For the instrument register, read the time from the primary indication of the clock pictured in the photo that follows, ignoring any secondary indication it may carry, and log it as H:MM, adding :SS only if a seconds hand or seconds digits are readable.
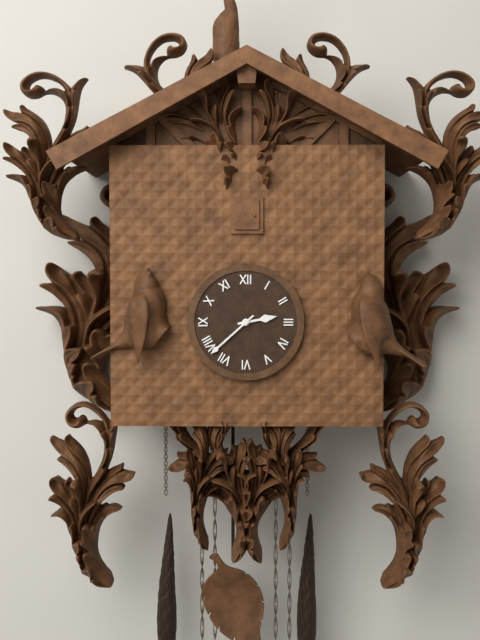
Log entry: 2:38
